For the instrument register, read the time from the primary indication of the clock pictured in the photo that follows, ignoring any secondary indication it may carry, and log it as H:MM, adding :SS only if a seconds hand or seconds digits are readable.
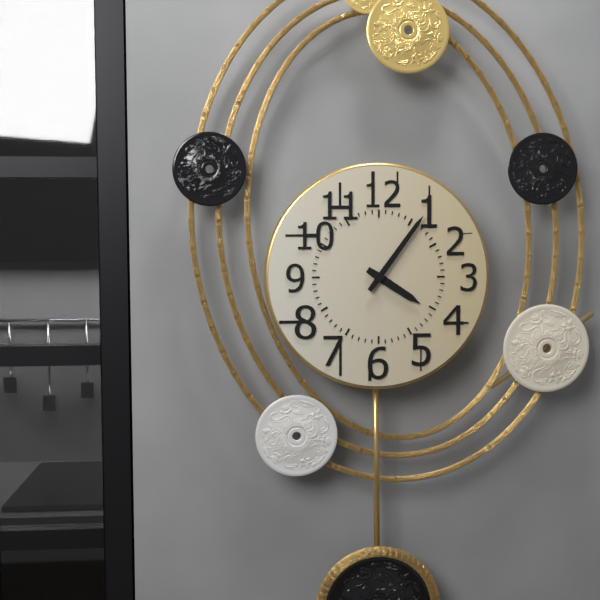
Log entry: 4:06
